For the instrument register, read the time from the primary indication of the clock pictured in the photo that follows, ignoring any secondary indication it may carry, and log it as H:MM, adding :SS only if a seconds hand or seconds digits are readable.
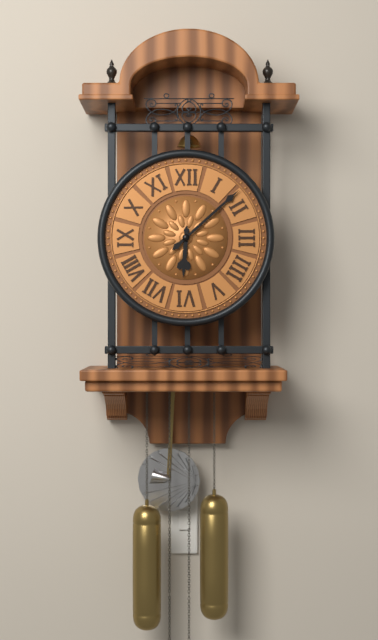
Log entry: 6:08
